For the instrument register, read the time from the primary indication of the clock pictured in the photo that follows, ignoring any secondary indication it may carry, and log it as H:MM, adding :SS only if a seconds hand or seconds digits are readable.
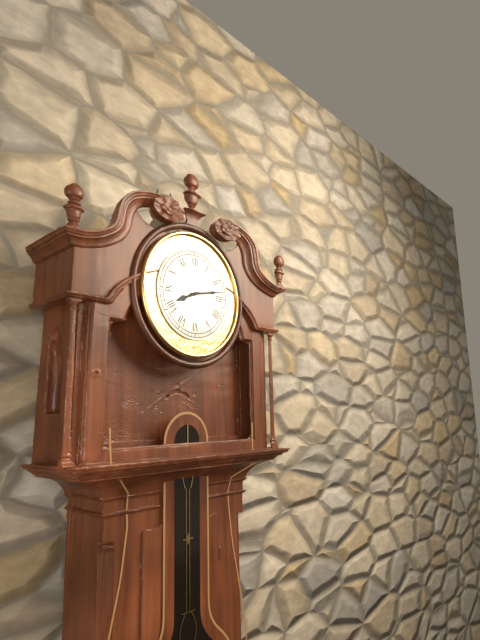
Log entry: 8:13
